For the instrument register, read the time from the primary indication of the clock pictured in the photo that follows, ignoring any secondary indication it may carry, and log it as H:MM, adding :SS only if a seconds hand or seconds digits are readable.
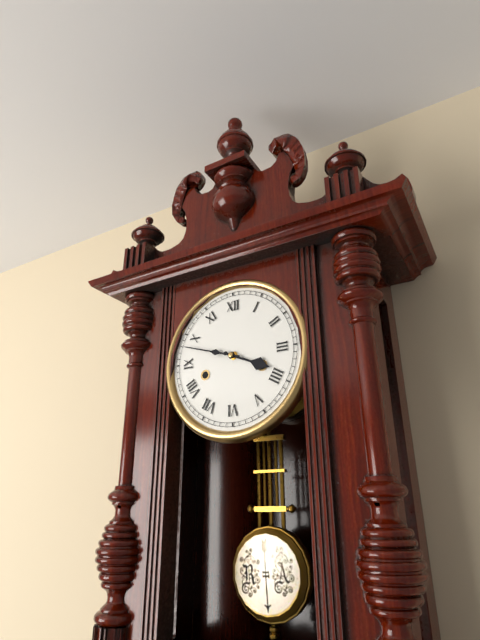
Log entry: 3:48
